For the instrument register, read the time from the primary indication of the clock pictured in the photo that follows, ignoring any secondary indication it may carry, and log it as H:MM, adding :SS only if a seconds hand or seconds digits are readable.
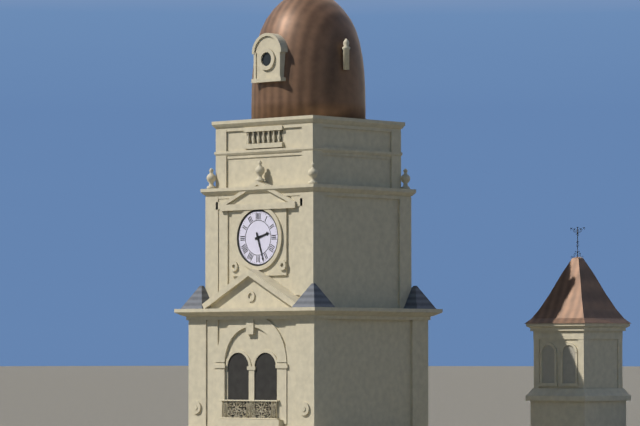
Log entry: 2:27
